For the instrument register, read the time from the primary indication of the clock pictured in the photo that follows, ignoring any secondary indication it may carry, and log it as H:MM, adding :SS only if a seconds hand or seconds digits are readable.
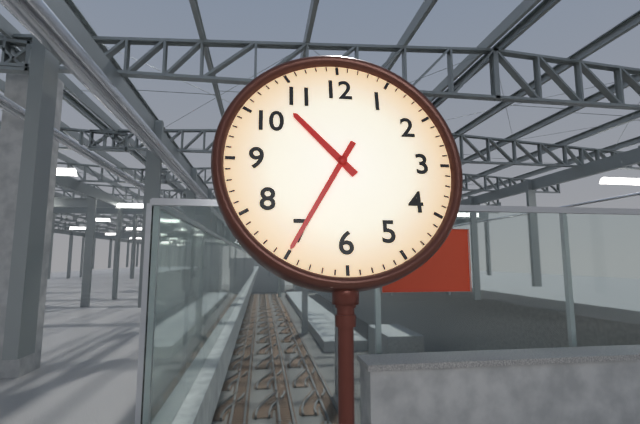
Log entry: 10:35
